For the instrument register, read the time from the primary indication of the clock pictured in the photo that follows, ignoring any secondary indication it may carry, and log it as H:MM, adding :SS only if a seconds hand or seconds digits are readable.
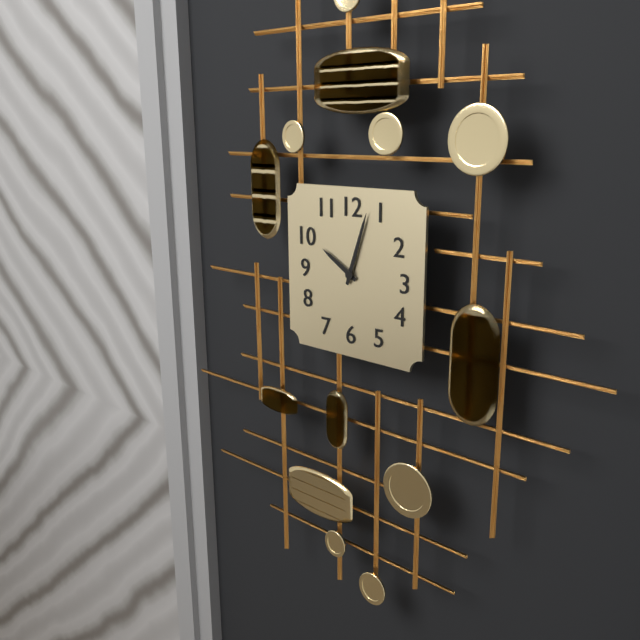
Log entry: 10:03
